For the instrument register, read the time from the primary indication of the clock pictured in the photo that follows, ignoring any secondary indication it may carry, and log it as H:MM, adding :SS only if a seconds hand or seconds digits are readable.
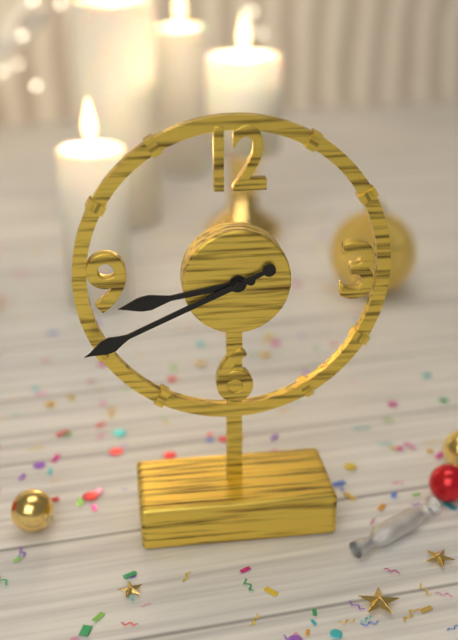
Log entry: 8:41
